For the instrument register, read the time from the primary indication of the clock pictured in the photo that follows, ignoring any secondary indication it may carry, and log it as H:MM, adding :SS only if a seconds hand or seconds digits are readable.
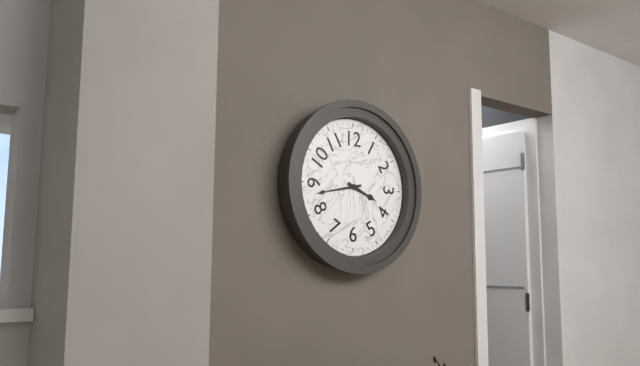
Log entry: 3:43
